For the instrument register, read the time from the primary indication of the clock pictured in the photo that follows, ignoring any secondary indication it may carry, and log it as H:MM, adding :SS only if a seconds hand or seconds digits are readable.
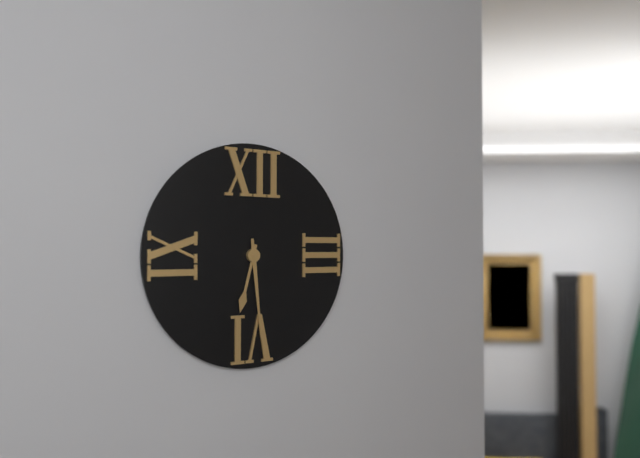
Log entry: 6:29
